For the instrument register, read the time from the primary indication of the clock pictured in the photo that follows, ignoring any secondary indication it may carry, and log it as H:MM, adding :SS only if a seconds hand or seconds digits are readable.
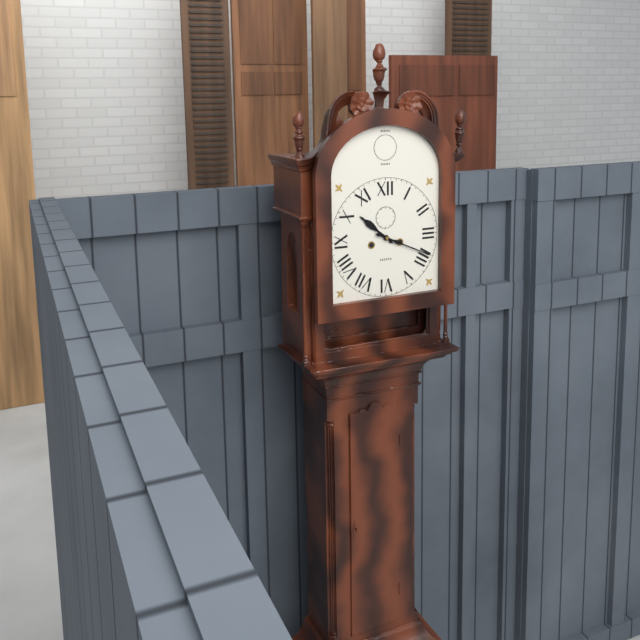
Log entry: 10:19
